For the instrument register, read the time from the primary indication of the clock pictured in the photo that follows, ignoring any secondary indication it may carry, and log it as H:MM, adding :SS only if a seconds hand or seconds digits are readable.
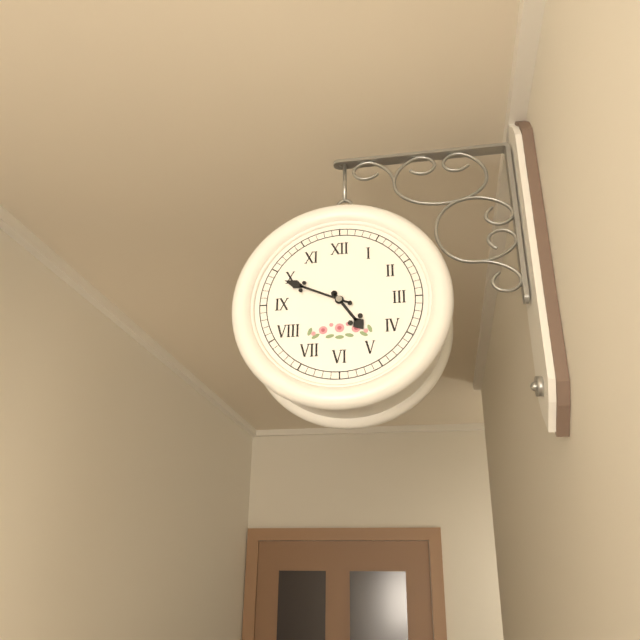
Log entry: 4:49
